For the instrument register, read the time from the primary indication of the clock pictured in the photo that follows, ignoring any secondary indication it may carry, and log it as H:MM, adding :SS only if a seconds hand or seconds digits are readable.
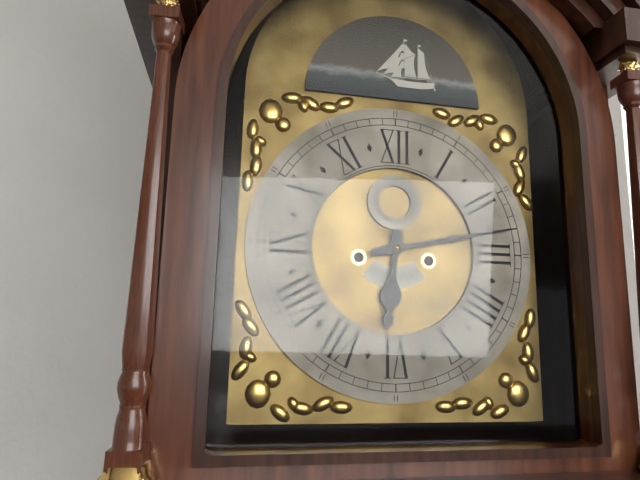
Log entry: 6:13
